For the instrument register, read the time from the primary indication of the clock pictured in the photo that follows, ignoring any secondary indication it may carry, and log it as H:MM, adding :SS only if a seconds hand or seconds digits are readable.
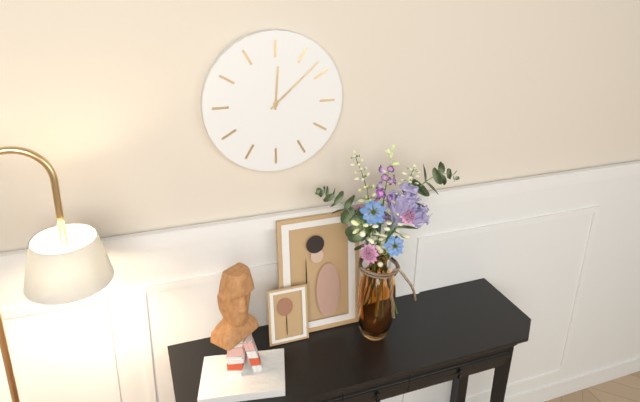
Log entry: 12:08
